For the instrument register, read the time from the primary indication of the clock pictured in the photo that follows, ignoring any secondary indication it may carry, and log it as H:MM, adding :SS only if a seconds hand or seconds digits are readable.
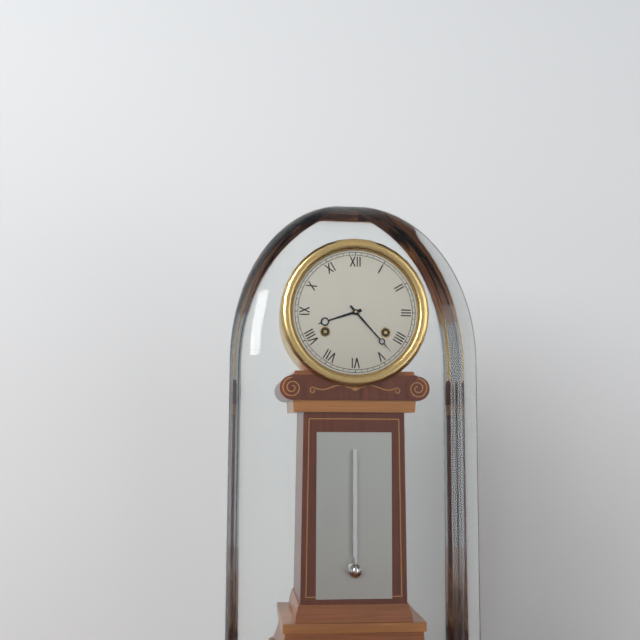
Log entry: 8:23
